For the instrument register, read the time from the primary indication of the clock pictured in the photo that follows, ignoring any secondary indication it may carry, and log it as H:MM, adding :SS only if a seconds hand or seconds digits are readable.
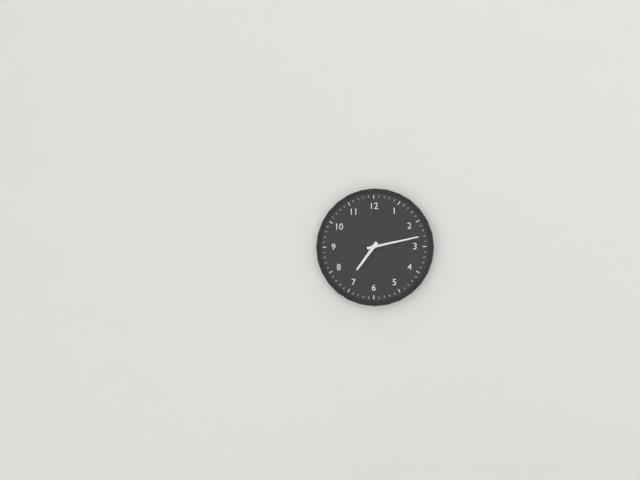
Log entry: 7:13
